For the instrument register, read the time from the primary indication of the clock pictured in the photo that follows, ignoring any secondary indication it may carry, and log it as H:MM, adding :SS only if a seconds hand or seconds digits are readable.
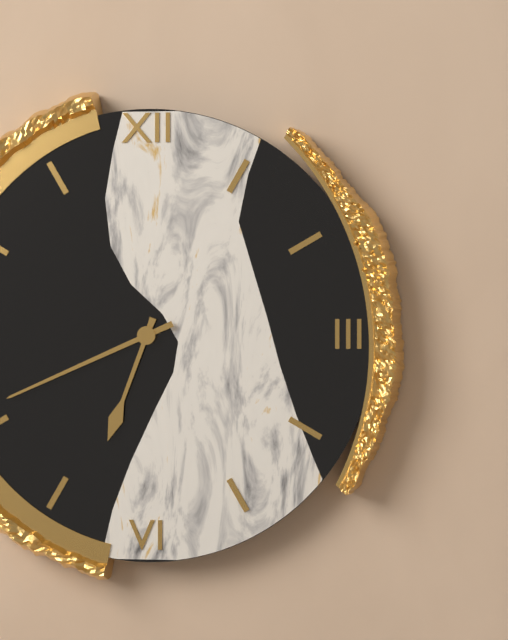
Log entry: 6:41
